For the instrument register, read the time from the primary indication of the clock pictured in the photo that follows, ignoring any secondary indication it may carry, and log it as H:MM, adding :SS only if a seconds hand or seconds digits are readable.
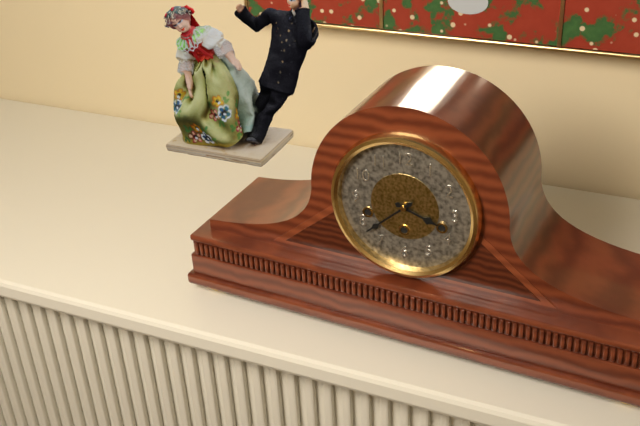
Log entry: 3:38
